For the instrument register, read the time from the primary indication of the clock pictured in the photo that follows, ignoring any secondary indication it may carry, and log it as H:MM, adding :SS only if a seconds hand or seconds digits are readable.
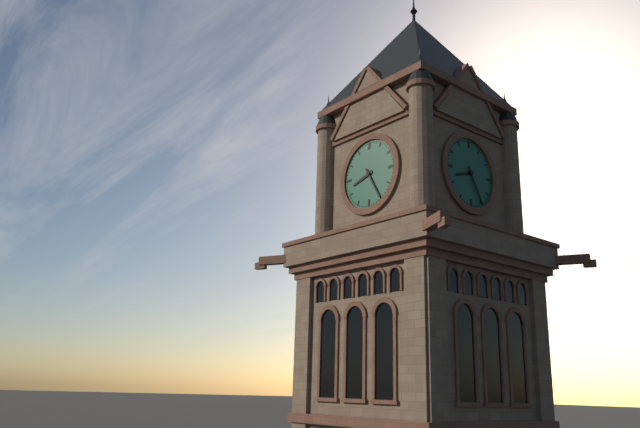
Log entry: 8:25
